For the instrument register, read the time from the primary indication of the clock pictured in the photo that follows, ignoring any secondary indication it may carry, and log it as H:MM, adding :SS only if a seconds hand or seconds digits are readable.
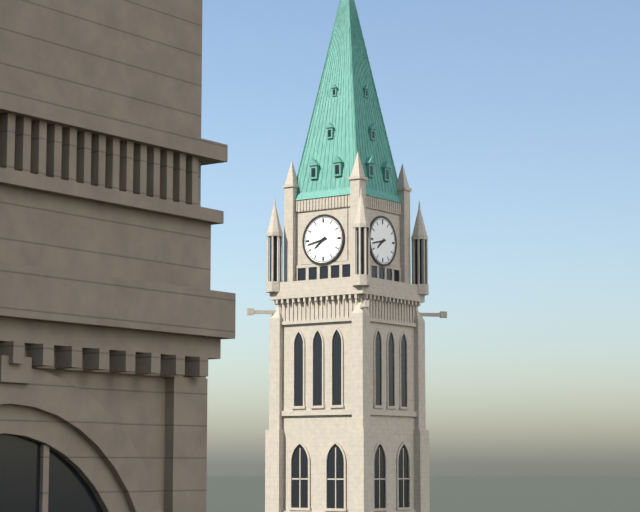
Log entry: 7:43
